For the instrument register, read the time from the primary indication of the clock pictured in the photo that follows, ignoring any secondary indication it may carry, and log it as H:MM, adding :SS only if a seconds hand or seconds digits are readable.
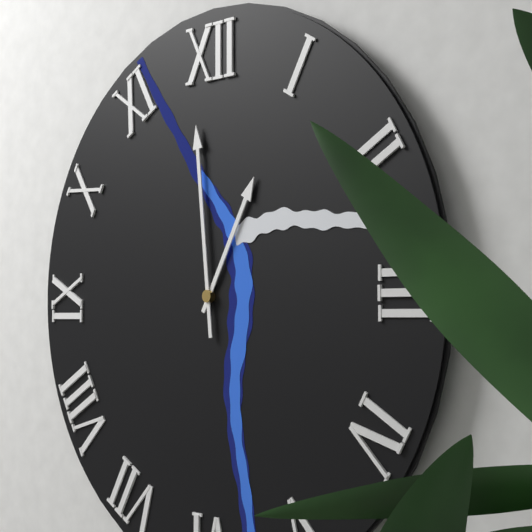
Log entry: 12:59
